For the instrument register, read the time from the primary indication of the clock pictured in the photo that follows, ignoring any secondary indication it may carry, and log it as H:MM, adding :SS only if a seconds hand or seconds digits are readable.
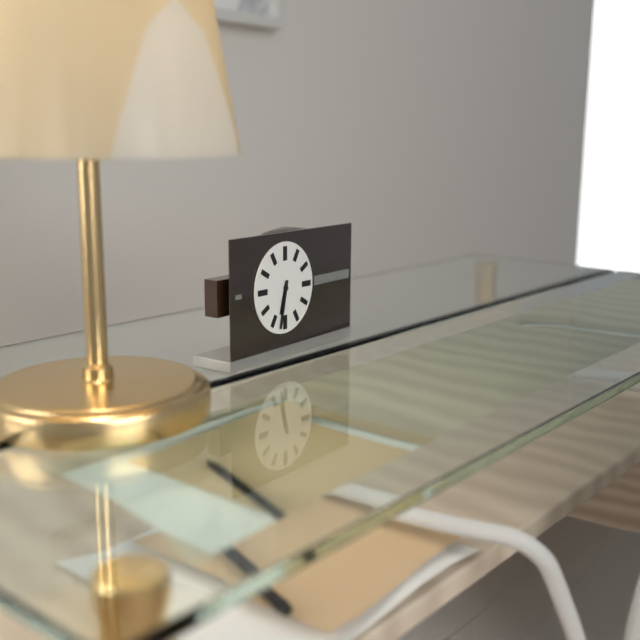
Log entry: 6:32
